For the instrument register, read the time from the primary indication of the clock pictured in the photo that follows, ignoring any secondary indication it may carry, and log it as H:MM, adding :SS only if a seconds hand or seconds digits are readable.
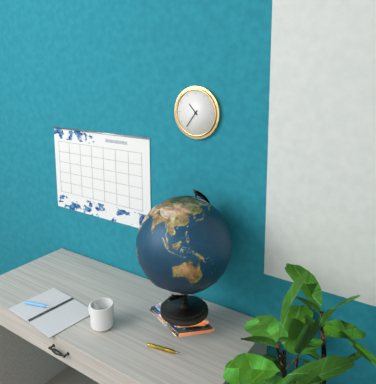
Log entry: 10:36
